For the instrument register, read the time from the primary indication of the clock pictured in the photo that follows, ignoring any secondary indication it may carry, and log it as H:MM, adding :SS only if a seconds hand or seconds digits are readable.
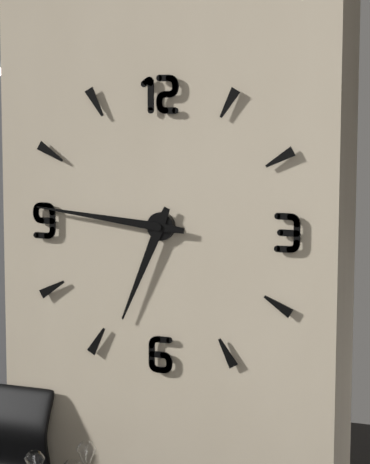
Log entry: 6:46
